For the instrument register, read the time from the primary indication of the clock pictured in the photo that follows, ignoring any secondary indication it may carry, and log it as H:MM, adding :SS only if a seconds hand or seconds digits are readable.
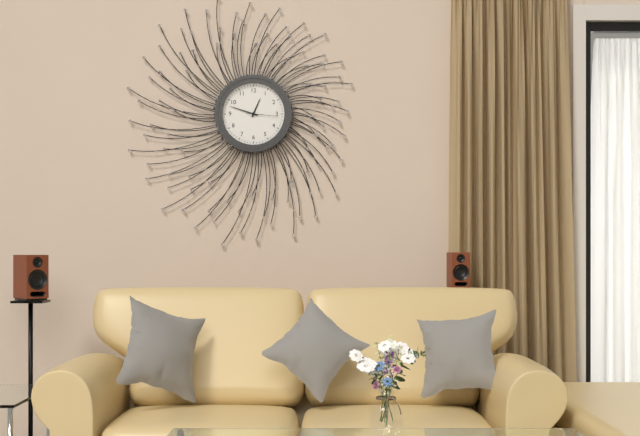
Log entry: 12:48
